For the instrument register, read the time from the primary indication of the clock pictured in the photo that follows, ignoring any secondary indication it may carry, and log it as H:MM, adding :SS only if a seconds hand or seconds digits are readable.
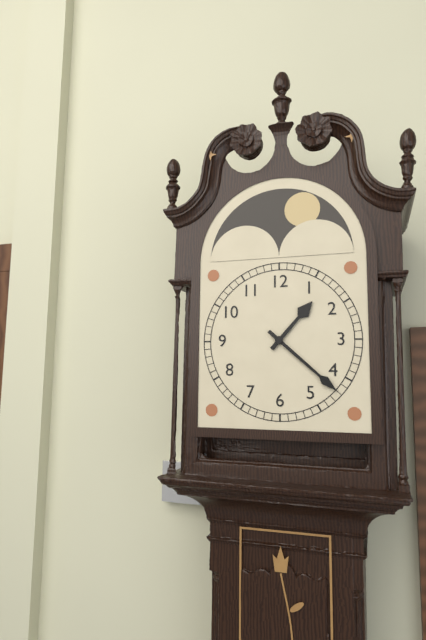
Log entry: 1:22
